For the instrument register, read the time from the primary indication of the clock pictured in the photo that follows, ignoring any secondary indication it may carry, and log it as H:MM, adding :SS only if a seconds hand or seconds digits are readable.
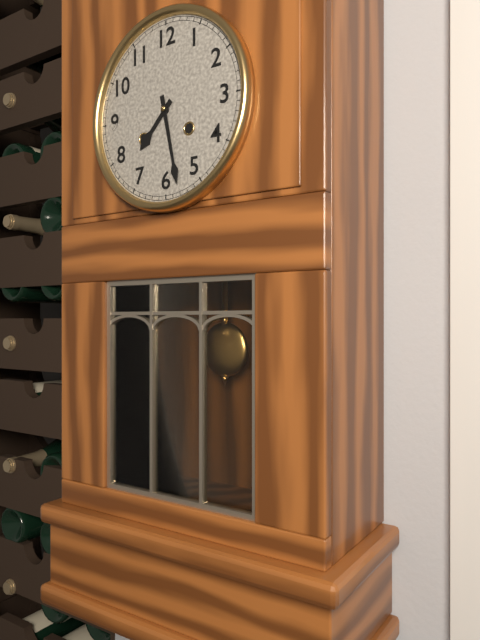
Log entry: 7:28
